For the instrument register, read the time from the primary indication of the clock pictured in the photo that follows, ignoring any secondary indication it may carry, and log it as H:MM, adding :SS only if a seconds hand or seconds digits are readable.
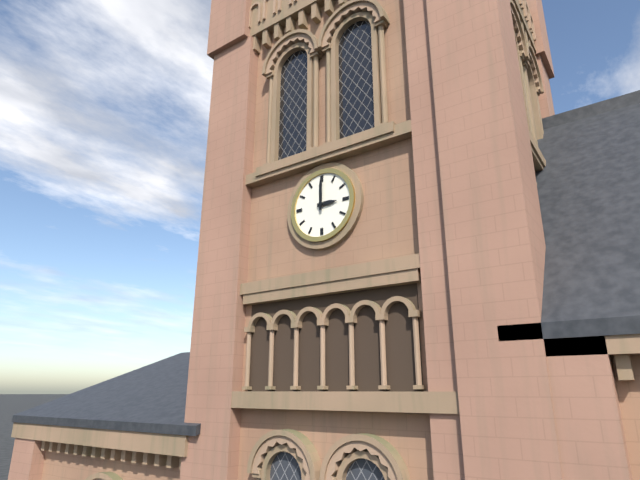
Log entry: 3:00
